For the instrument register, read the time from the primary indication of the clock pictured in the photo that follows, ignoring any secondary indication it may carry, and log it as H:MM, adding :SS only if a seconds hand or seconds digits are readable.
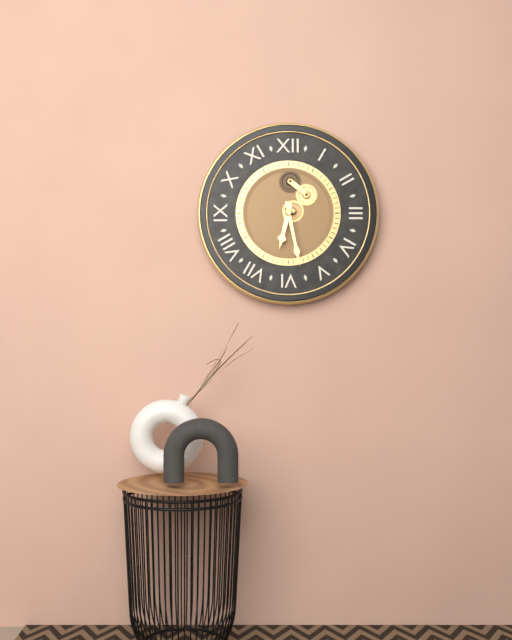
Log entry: 6:28
